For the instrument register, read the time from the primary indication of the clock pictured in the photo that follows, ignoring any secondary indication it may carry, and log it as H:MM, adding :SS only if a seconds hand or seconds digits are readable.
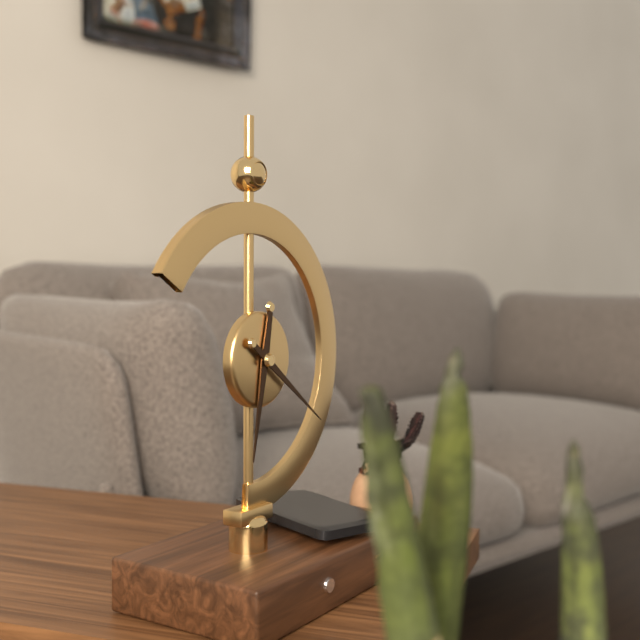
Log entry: 6:21
